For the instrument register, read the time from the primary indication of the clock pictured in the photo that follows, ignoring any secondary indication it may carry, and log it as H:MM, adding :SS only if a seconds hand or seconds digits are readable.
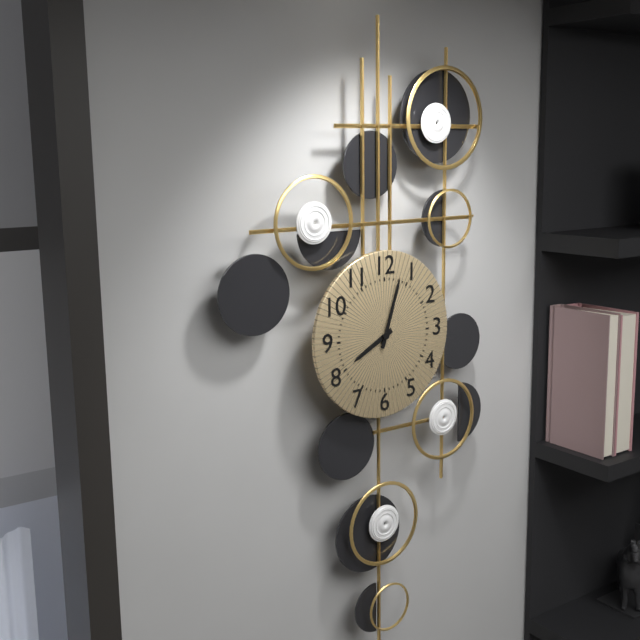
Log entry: 8:03
